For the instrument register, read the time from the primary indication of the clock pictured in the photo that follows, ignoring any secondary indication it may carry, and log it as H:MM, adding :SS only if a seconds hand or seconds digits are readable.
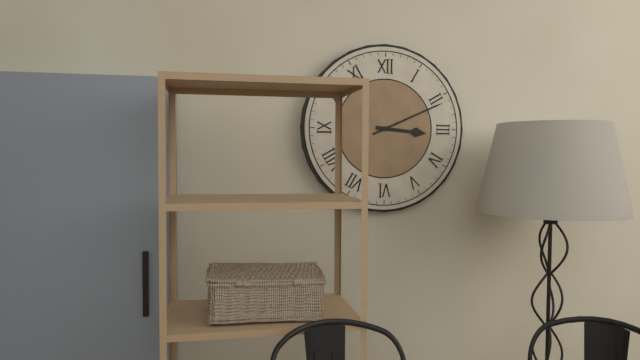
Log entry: 3:11
